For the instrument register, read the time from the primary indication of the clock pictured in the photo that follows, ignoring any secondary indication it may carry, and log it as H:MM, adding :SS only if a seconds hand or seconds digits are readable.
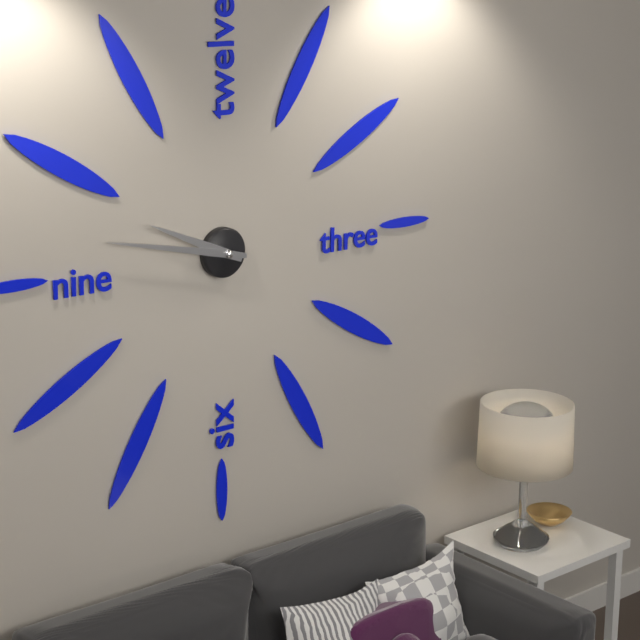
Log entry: 9:47
